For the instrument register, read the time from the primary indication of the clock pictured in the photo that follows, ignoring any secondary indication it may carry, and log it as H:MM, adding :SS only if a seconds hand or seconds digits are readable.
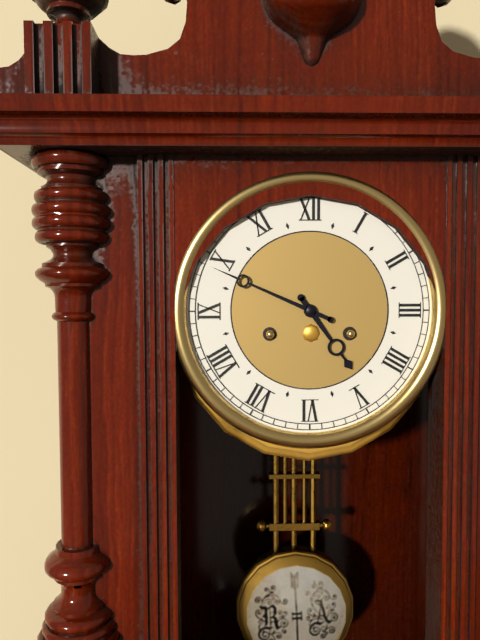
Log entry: 4:49
